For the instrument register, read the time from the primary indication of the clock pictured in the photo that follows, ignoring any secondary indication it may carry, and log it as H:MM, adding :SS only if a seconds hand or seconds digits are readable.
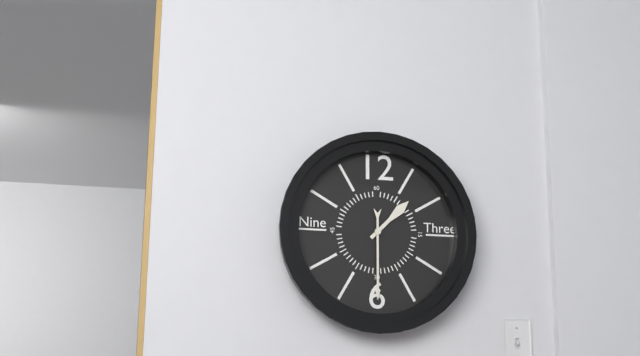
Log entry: 1:30
